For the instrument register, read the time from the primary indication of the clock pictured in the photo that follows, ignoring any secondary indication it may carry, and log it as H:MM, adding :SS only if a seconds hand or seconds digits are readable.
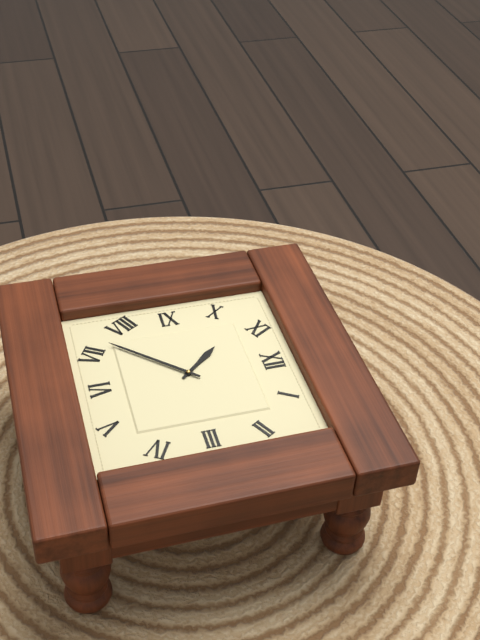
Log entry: 10:37
